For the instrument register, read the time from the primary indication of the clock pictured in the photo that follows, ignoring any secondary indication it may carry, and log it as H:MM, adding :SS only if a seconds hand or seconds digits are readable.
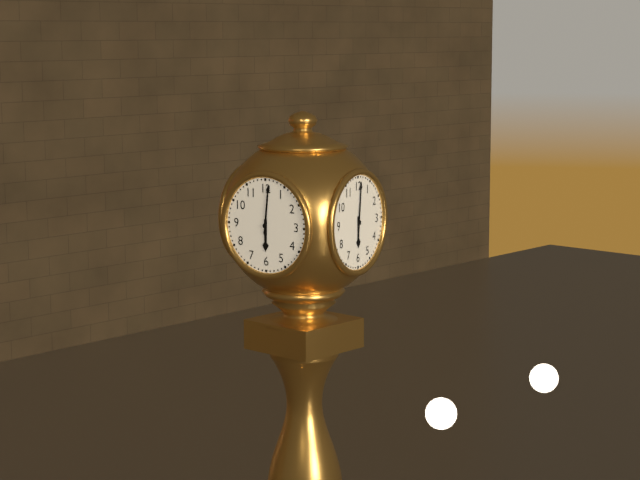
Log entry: 6:01
